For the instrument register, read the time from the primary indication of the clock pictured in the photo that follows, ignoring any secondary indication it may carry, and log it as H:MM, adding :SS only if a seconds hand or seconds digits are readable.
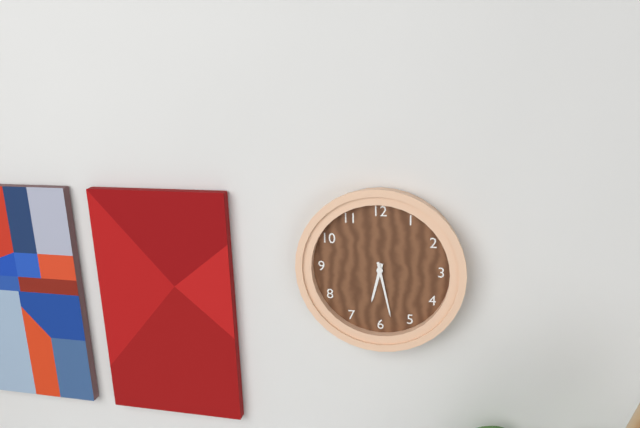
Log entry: 6:28
